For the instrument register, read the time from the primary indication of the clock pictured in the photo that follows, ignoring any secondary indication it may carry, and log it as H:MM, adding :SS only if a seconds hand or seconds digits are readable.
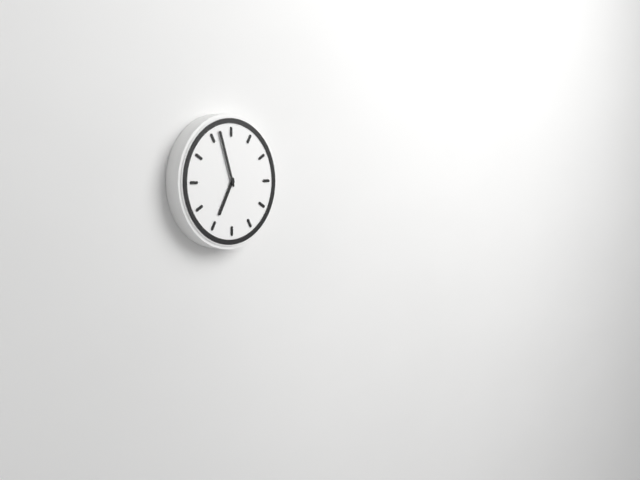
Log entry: 6:57
